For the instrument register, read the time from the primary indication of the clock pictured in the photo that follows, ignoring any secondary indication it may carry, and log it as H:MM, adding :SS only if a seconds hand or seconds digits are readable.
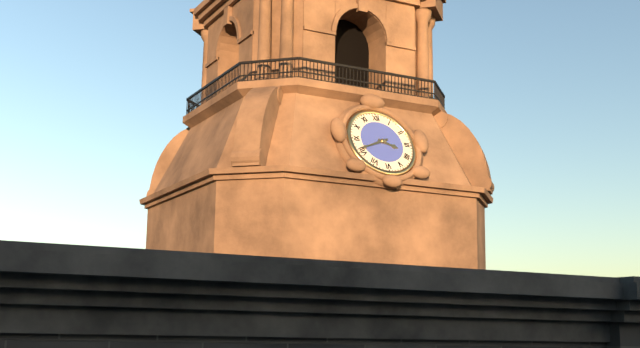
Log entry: 3:41
